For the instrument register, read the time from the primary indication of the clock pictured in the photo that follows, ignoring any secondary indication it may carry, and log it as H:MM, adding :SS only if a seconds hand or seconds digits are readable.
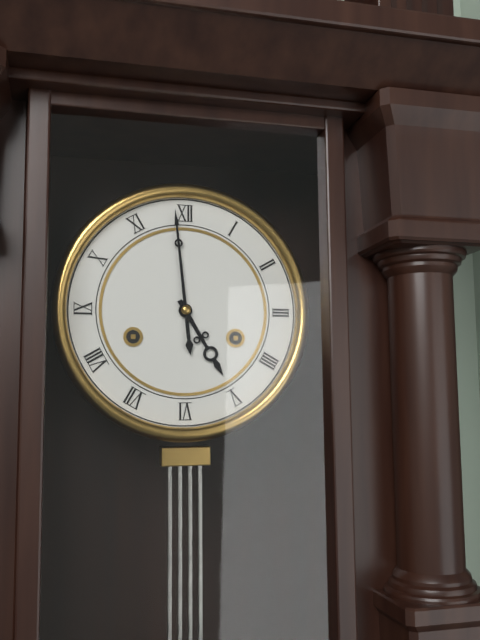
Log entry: 4:59
